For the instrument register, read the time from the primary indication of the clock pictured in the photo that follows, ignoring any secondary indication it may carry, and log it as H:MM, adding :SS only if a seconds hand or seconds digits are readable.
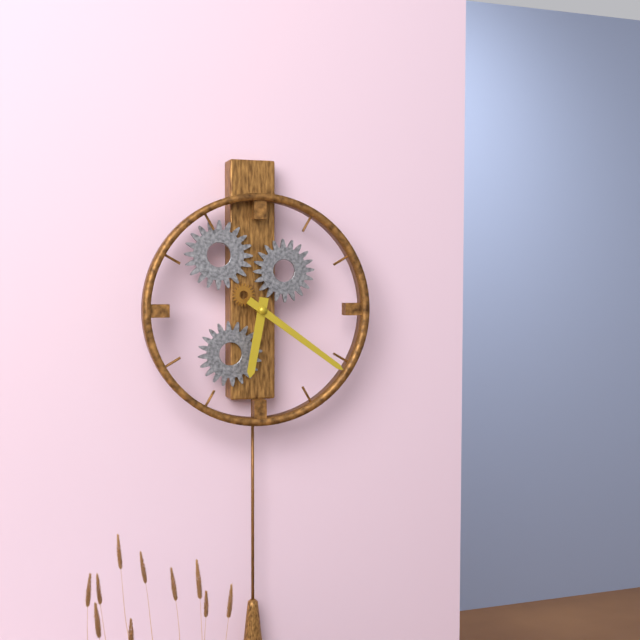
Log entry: 6:21
